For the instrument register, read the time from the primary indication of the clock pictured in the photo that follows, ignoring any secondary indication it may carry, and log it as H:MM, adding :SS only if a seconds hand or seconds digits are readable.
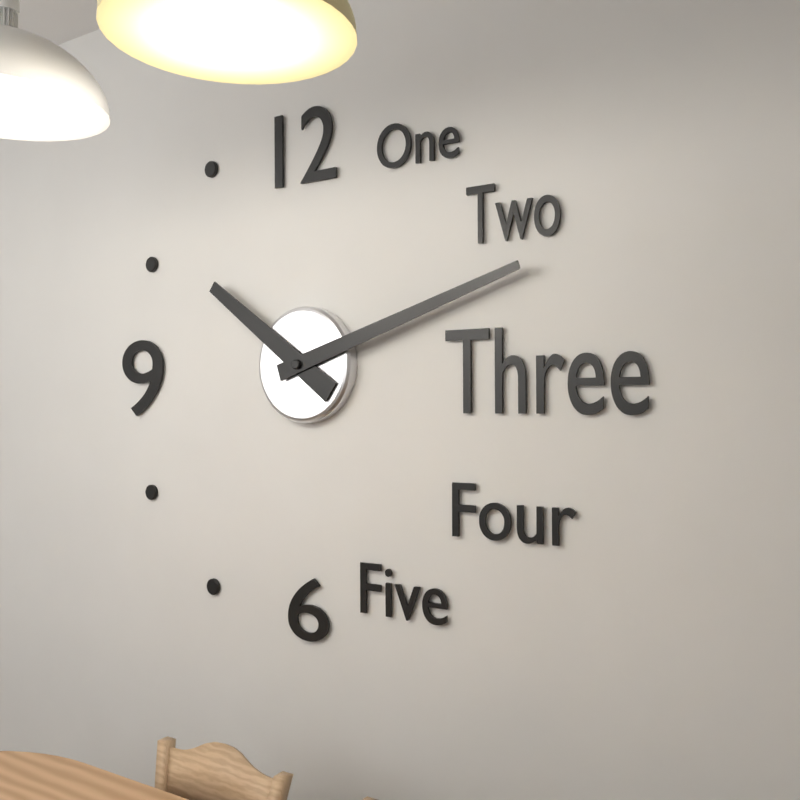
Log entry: 10:12
